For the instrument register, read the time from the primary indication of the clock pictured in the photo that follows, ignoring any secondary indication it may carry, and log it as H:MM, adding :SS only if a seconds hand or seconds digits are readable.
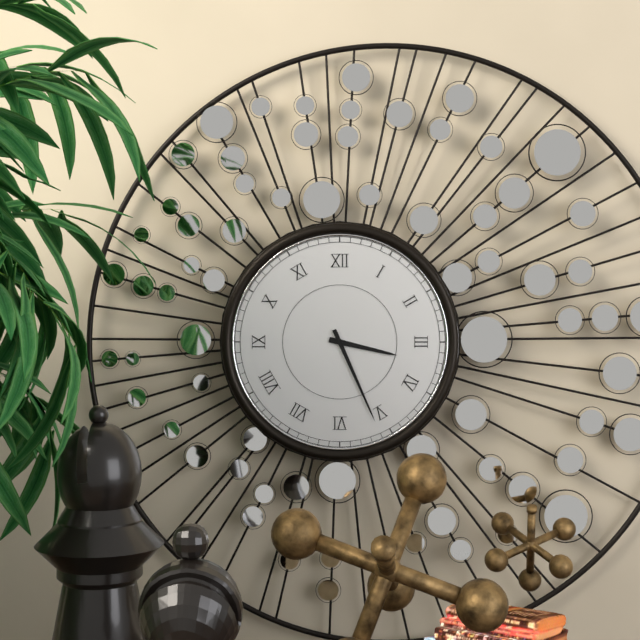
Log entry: 3:26
